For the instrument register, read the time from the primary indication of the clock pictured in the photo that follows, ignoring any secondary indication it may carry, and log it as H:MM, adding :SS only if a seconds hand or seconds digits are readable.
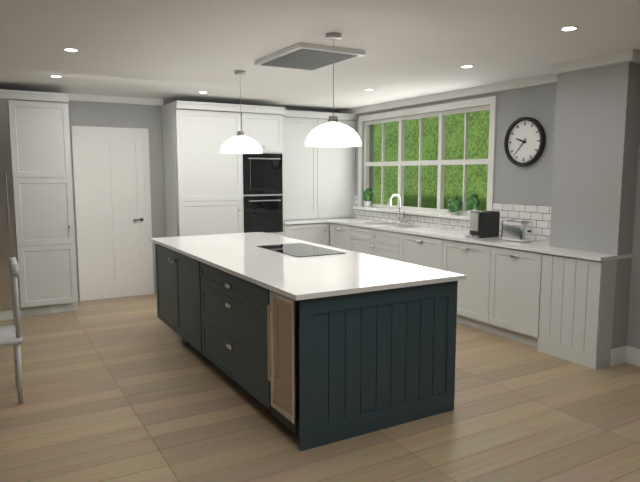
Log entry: 9:37
